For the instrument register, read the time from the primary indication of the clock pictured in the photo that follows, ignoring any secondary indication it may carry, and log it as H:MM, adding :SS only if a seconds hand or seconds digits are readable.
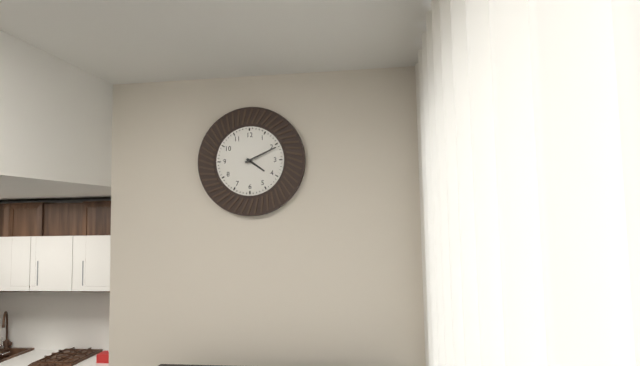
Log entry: 4:11
